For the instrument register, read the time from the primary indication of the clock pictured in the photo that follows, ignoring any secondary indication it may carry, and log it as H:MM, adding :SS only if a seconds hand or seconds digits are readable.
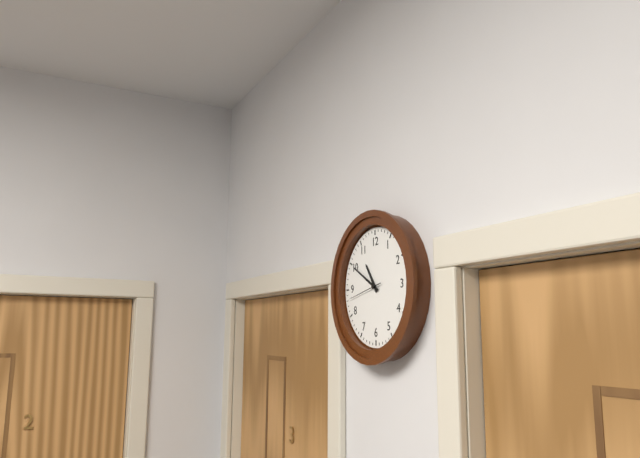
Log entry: 10:50
